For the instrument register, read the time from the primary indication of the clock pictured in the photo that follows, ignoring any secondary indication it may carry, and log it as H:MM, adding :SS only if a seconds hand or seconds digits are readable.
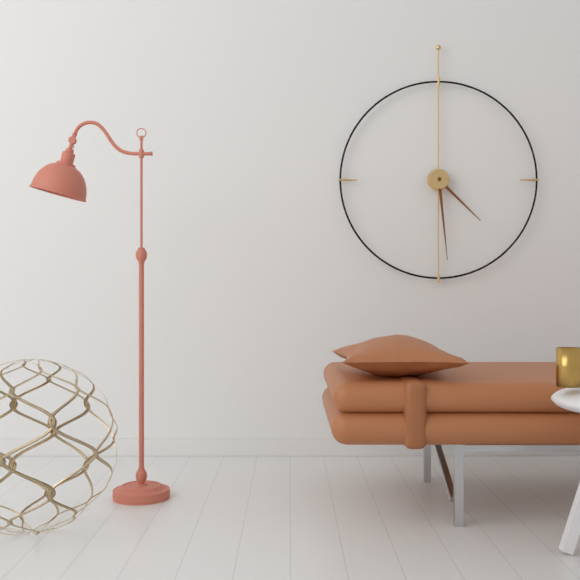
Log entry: 4:29
